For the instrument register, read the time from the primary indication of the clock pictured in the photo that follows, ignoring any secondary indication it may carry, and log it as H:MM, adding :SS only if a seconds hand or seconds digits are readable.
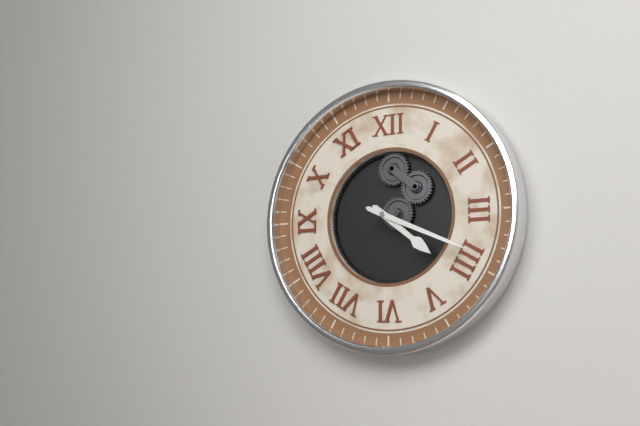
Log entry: 4:19
